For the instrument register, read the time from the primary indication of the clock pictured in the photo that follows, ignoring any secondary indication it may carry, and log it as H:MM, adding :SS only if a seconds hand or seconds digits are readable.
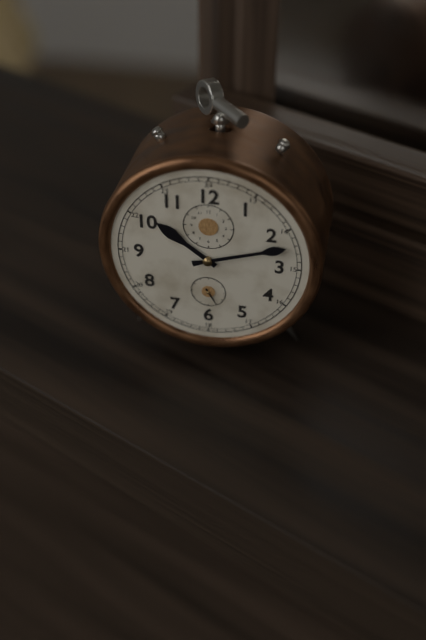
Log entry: 10:12
